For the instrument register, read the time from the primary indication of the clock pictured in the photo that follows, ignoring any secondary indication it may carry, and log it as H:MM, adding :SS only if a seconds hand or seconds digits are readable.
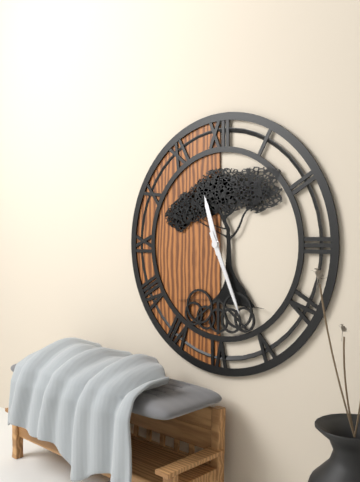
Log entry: 11:26
